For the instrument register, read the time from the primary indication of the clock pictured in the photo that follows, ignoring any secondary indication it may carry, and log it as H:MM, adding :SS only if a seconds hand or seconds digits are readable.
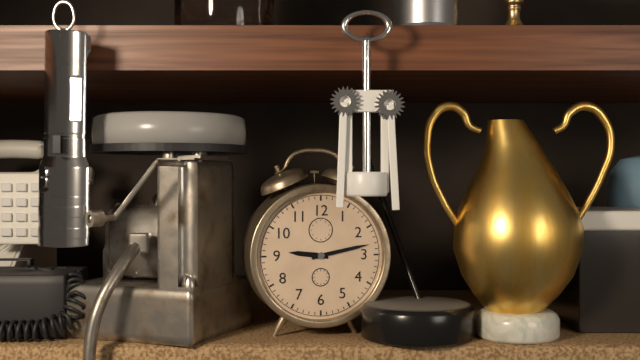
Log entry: 9:13
